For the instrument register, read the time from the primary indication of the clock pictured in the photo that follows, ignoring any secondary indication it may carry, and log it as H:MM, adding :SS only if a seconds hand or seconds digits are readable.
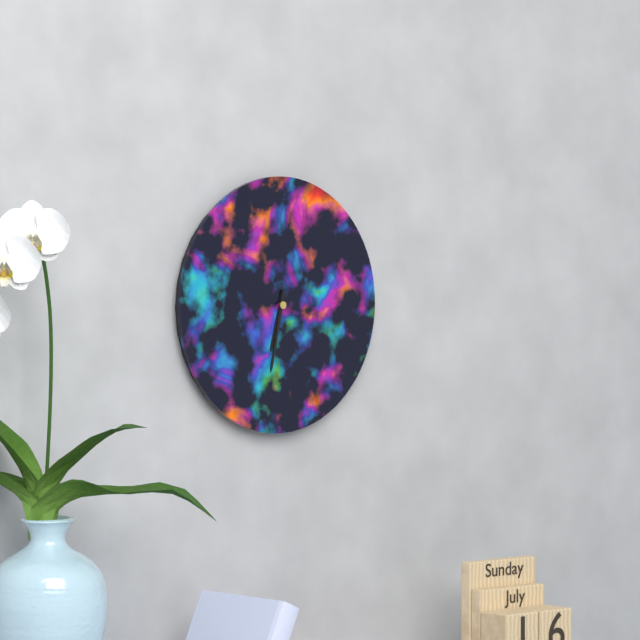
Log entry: 6:32
